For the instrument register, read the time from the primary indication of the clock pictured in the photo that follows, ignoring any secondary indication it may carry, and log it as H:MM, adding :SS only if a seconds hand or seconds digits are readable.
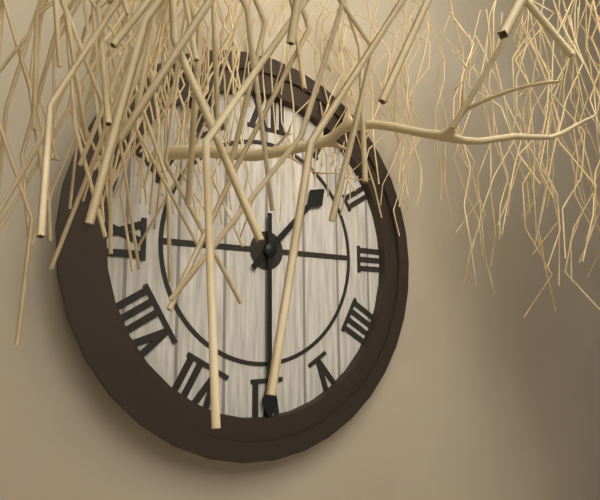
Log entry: 1:30
